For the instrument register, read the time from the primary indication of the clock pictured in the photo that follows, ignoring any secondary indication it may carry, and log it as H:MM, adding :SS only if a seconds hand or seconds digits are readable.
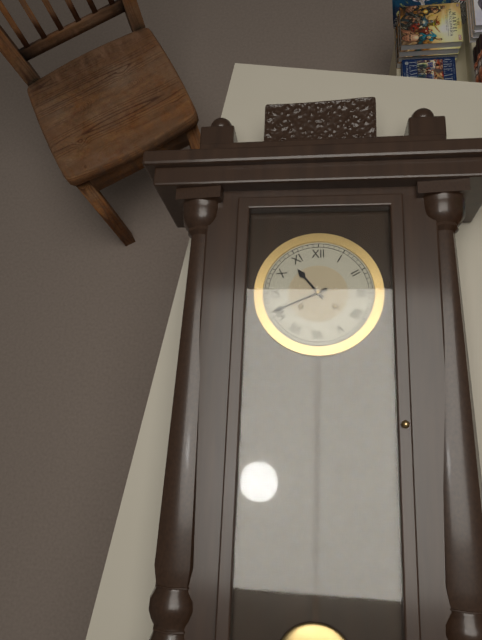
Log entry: 10:41
